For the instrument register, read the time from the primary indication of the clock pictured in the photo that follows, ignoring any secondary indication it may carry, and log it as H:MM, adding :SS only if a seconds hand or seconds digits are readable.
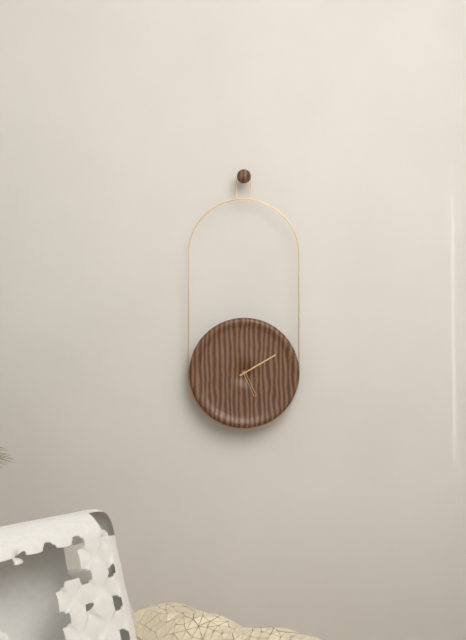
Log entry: 5:10
